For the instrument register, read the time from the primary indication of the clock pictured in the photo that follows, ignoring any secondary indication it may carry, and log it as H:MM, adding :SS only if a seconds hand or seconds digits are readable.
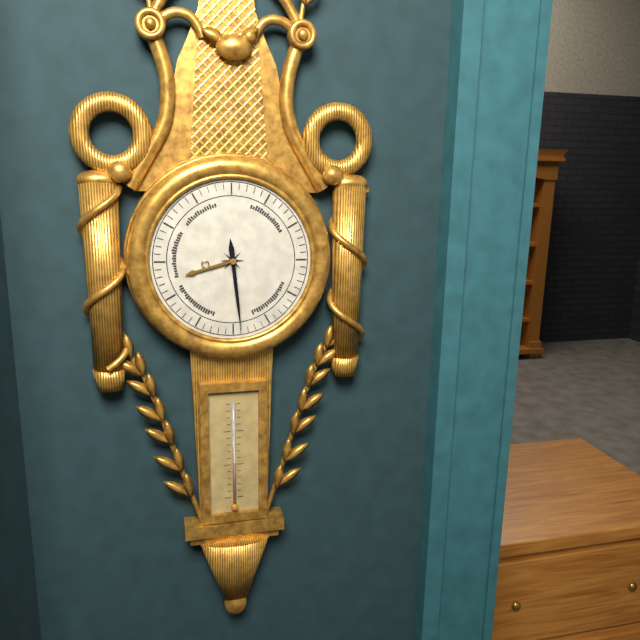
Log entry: 8:29
